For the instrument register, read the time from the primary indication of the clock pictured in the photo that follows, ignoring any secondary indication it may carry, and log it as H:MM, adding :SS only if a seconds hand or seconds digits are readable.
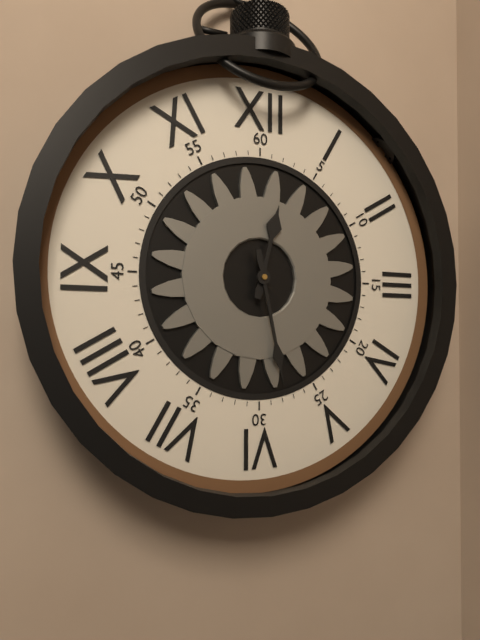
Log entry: 12:28
